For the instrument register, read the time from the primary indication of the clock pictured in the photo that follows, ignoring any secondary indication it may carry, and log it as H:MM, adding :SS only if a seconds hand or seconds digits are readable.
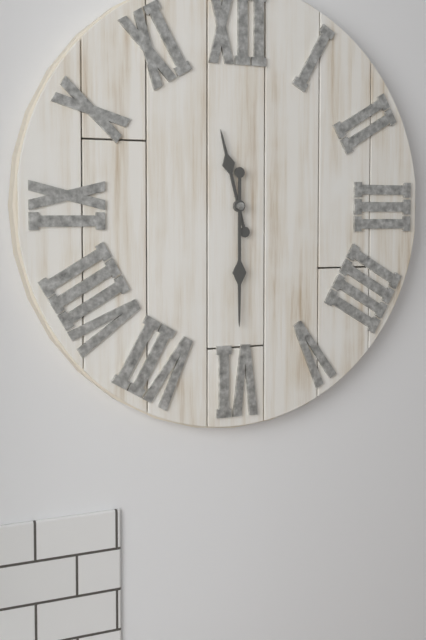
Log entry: 11:30
